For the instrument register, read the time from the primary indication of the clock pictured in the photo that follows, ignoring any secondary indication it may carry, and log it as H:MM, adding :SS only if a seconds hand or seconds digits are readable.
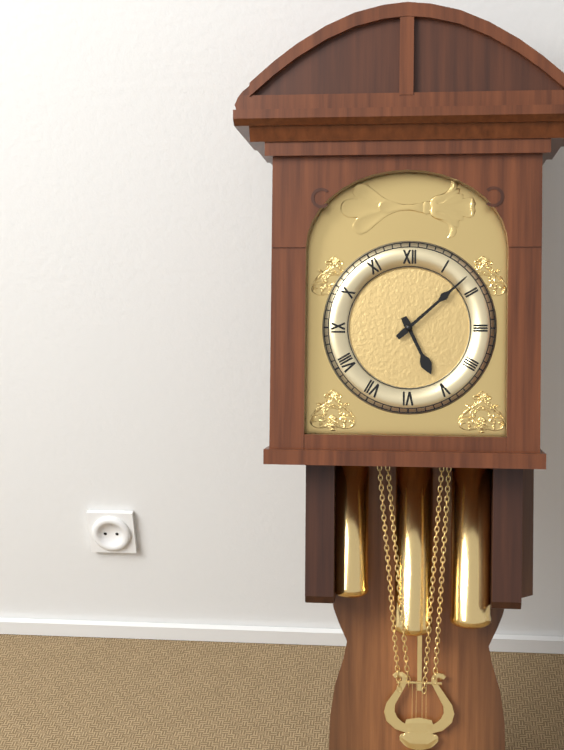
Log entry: 5:08
